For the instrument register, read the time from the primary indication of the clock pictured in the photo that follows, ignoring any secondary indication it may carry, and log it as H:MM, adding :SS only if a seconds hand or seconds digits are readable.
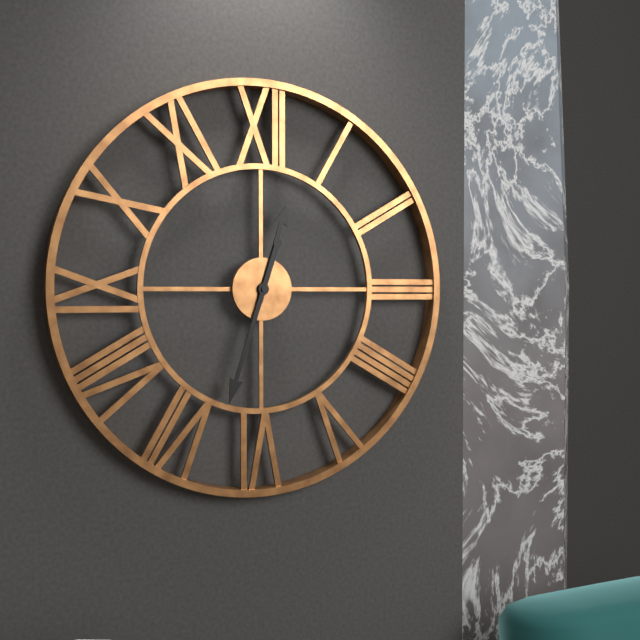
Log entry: 12:33
